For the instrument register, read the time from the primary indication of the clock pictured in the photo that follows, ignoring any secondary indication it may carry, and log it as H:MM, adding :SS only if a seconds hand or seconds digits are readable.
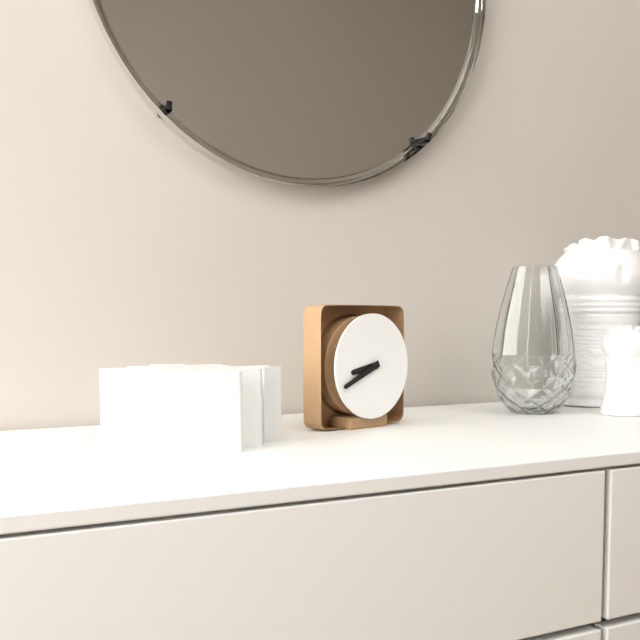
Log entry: 8:41
